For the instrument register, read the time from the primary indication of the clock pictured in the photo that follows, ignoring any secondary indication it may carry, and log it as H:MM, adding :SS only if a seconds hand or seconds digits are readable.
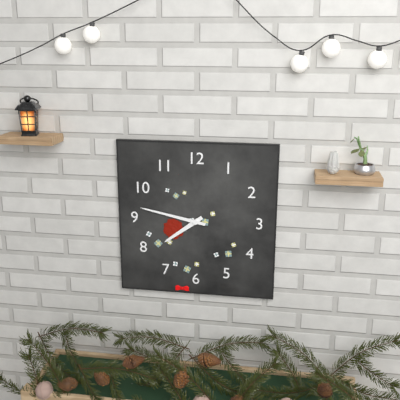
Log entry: 7:47
